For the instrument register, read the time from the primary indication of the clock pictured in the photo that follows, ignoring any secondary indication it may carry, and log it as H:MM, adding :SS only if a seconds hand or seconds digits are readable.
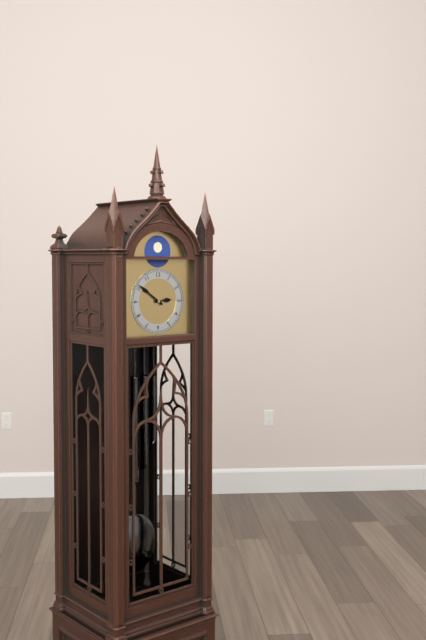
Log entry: 2:51
